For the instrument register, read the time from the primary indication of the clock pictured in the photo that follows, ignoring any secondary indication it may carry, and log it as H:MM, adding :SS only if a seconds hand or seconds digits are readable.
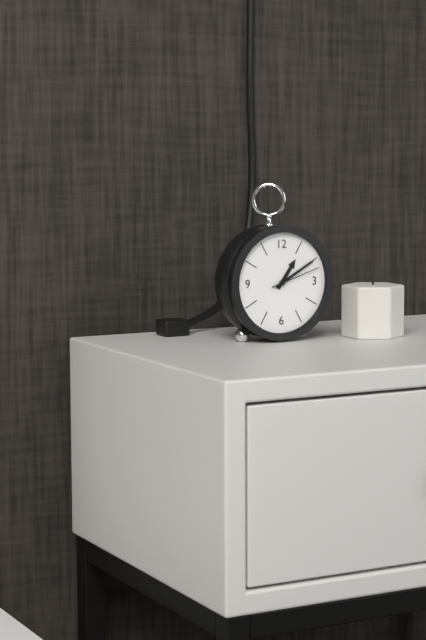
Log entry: 1:10
